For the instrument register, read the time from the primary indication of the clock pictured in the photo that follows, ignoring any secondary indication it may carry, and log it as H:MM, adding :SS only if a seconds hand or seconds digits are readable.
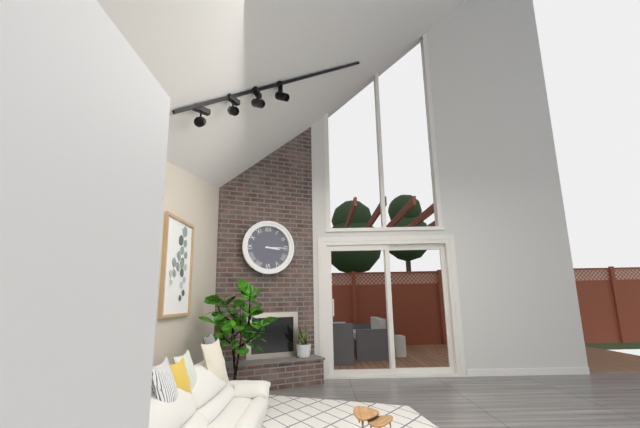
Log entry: 3:15
